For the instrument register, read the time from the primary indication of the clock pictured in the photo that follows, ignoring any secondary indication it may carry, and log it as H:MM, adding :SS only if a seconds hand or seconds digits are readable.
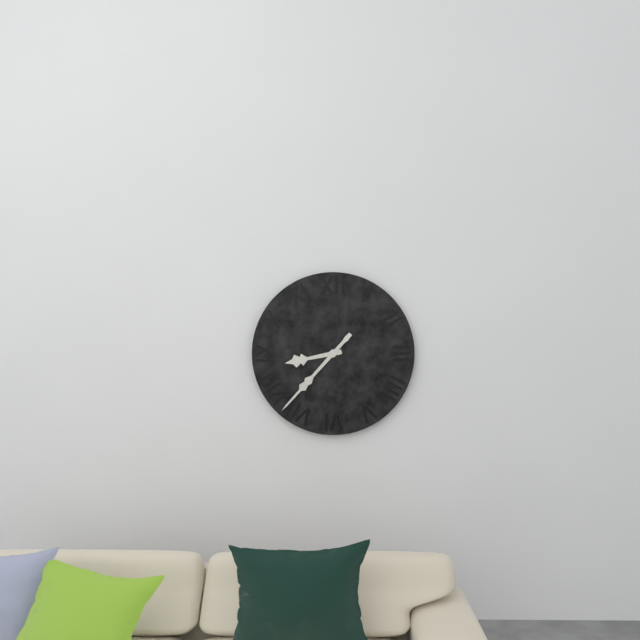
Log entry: 8:37
